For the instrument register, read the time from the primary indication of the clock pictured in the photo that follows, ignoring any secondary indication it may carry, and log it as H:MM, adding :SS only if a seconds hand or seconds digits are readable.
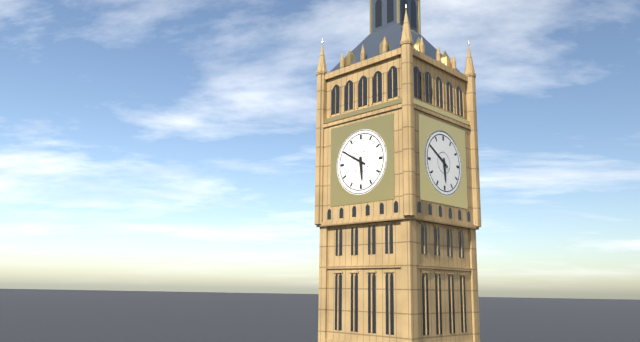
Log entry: 5:50
